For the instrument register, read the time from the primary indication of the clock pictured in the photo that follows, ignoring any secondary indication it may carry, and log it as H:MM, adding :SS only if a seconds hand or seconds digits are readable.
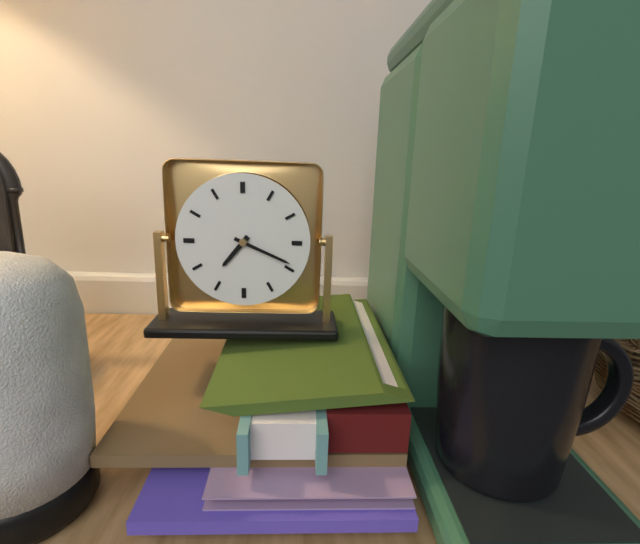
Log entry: 7:19
